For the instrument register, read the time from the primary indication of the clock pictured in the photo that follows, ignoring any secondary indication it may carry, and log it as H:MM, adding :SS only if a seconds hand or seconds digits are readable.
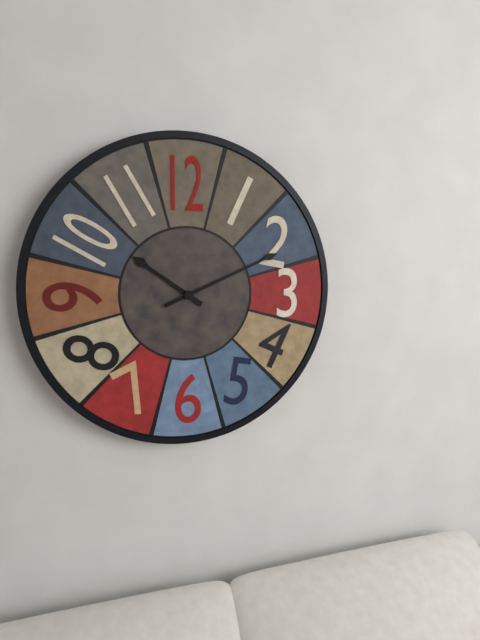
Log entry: 10:11
